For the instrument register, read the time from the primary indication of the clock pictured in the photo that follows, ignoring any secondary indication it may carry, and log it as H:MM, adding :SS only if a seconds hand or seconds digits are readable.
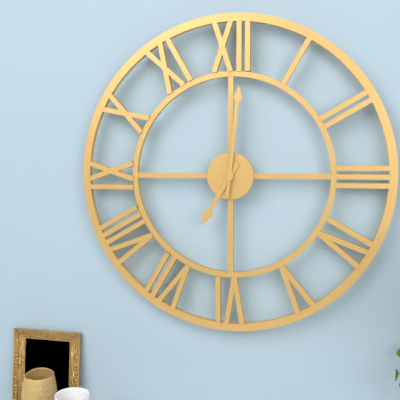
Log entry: 7:01
